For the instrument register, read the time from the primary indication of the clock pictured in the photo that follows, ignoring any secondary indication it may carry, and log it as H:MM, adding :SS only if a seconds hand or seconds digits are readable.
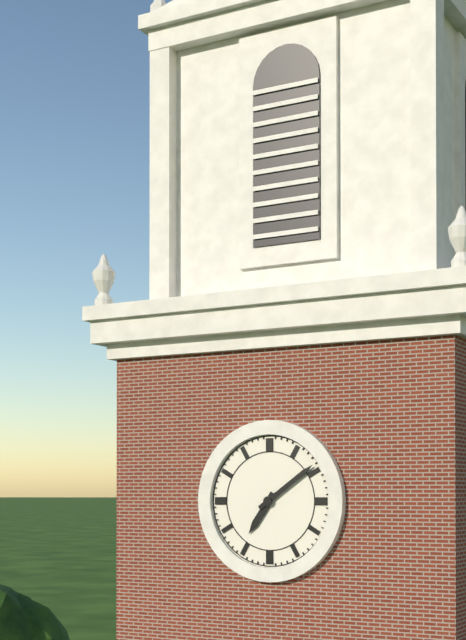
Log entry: 7:09
